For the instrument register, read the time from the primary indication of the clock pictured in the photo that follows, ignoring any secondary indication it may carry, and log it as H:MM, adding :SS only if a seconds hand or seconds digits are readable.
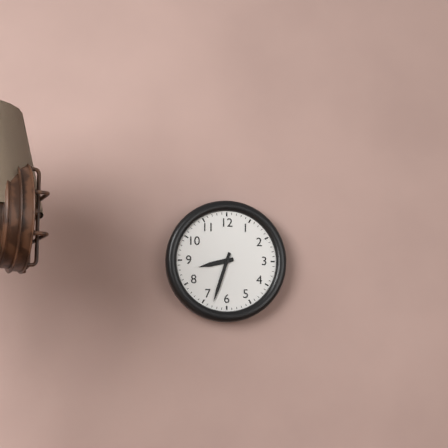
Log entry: 8:33
